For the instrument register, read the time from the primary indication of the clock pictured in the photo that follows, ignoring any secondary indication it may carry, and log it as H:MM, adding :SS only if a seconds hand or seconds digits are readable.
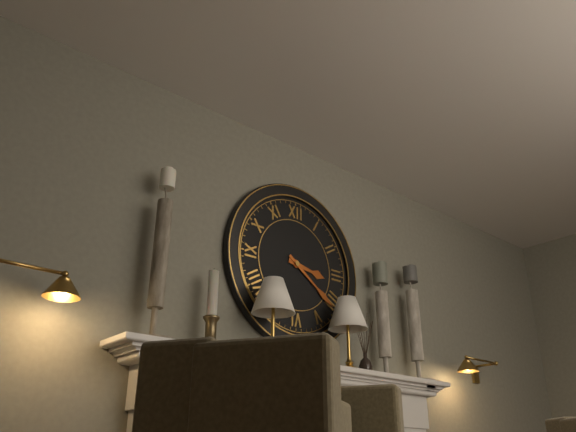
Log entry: 3:21
